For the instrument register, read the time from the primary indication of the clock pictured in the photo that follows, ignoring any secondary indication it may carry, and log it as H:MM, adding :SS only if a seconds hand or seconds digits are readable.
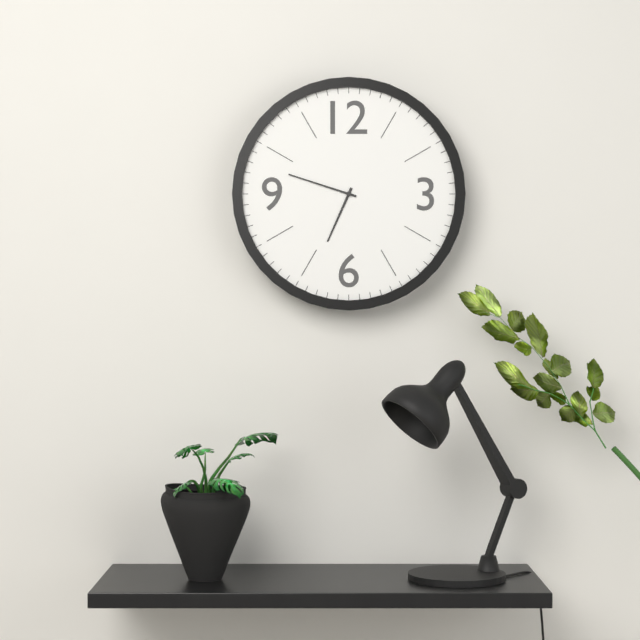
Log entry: 6:48
